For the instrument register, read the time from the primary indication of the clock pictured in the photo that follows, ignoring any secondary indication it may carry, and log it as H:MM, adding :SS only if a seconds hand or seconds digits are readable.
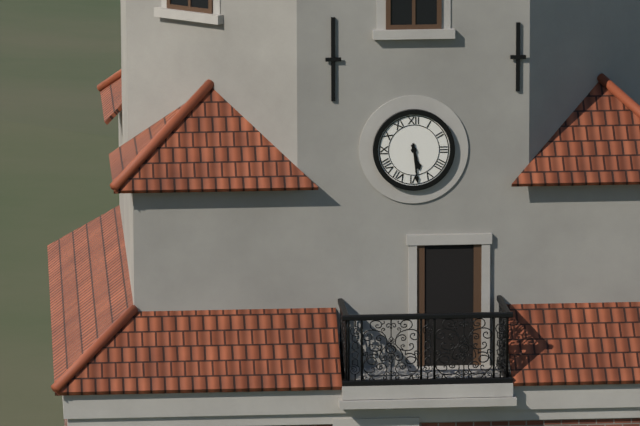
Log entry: 5:29
